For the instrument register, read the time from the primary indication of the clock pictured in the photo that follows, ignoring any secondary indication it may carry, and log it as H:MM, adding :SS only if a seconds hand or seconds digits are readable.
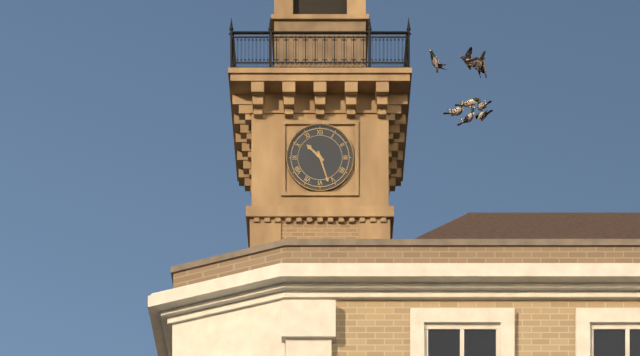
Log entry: 10:27
